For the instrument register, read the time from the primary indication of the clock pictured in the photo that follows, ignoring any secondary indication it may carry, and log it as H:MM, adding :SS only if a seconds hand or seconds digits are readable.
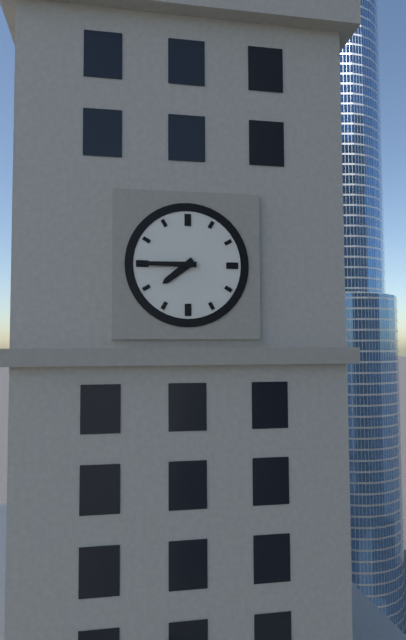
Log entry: 7:45
